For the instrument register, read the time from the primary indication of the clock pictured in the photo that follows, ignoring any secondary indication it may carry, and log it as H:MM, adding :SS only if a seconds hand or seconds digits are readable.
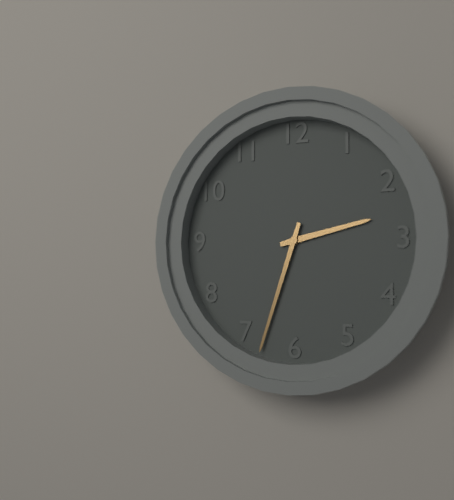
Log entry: 2:33
